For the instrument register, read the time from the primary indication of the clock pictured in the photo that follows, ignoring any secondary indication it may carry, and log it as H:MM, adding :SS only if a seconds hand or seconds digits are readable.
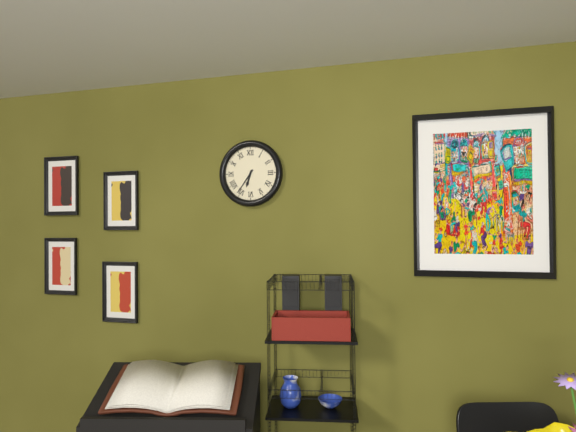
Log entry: 6:36
